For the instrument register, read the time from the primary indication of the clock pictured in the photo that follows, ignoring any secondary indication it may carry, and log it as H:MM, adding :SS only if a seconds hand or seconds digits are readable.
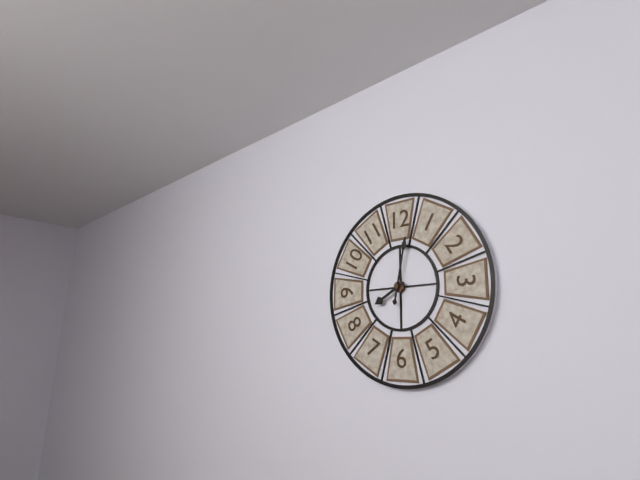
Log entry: 8:02
